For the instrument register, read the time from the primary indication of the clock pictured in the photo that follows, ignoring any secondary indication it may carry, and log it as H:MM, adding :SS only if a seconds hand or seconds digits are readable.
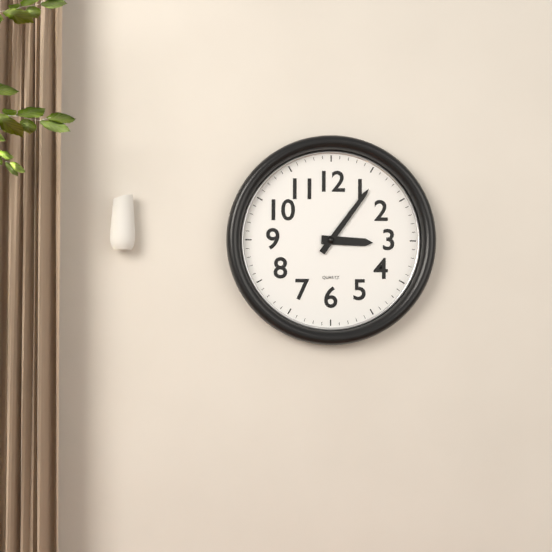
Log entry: 3:06
